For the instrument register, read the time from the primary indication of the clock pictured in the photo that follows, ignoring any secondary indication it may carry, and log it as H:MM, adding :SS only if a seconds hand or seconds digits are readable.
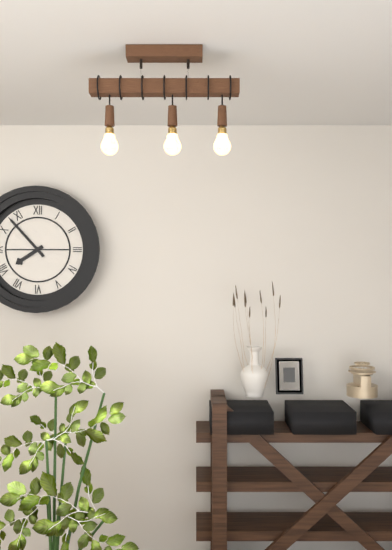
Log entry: 7:53
